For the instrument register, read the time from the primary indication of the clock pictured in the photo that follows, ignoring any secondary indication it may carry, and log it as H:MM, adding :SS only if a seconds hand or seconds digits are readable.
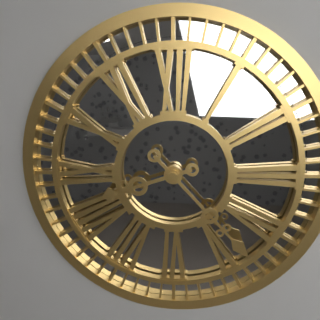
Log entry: 8:23
